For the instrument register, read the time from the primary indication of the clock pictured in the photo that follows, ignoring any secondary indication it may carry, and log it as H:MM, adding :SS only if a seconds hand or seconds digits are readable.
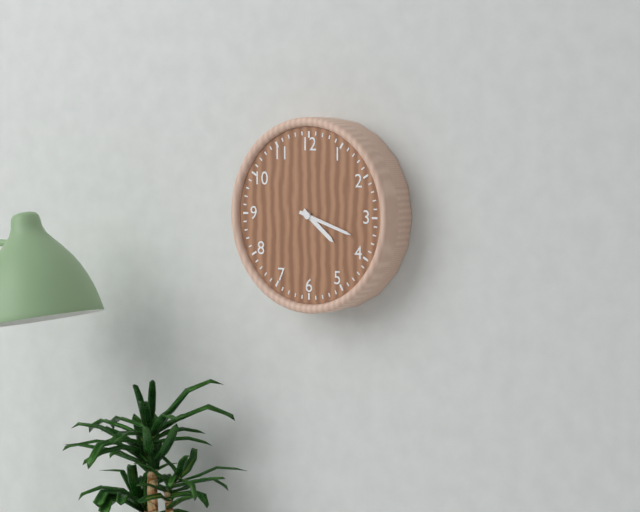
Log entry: 4:18
